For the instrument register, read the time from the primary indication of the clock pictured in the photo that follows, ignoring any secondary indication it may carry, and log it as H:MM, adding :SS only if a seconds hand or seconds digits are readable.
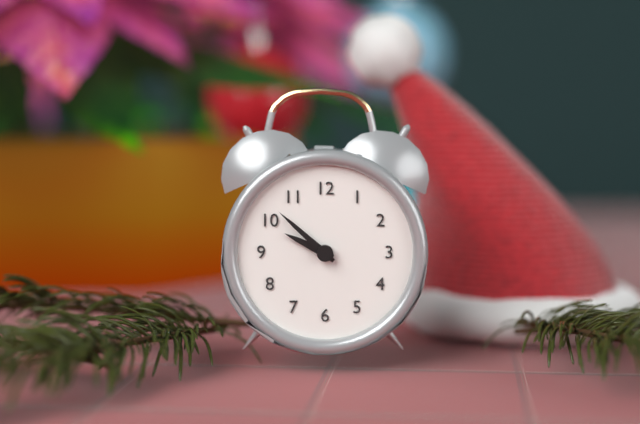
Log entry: 9:52
